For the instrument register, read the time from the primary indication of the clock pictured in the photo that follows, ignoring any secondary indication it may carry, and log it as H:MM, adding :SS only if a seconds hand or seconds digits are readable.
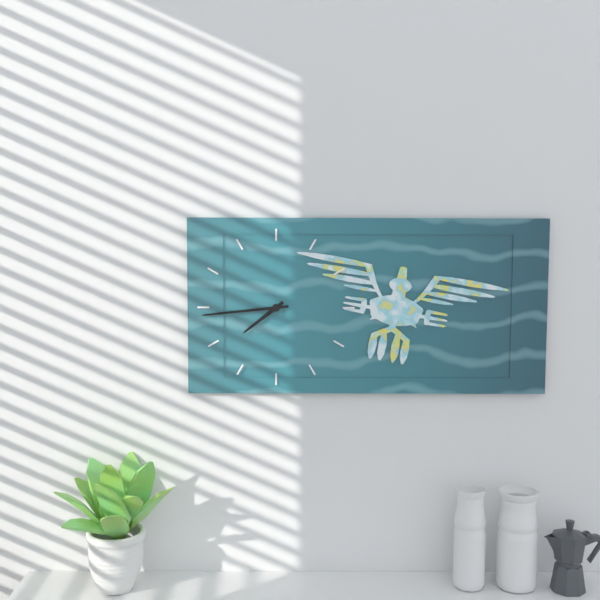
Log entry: 7:44
